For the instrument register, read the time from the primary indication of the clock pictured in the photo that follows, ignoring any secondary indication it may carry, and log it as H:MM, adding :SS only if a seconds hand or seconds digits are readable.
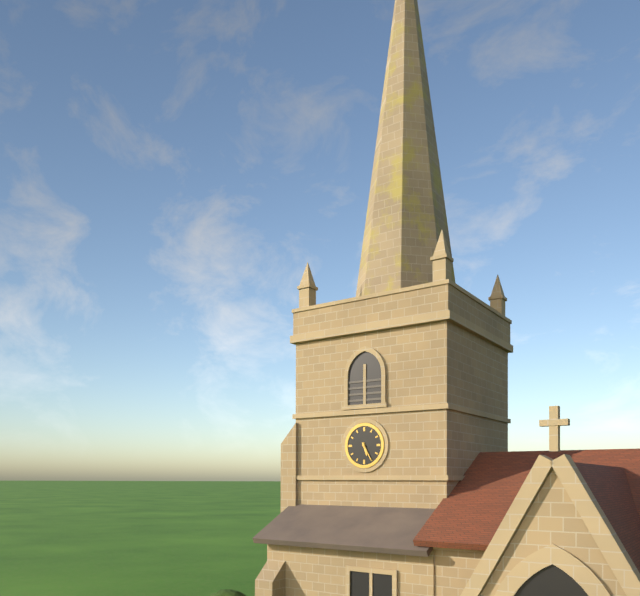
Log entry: 5:25
